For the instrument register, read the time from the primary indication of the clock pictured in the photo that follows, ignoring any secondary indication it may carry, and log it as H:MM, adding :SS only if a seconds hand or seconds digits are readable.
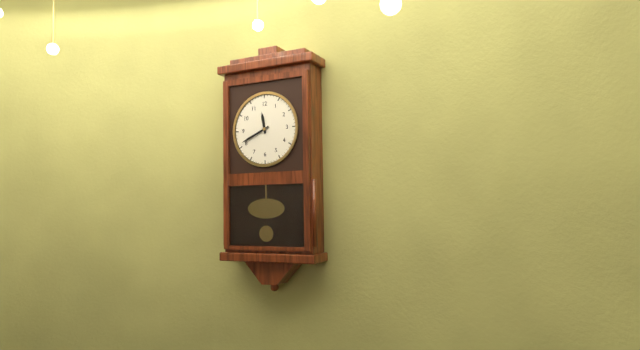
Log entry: 11:41
